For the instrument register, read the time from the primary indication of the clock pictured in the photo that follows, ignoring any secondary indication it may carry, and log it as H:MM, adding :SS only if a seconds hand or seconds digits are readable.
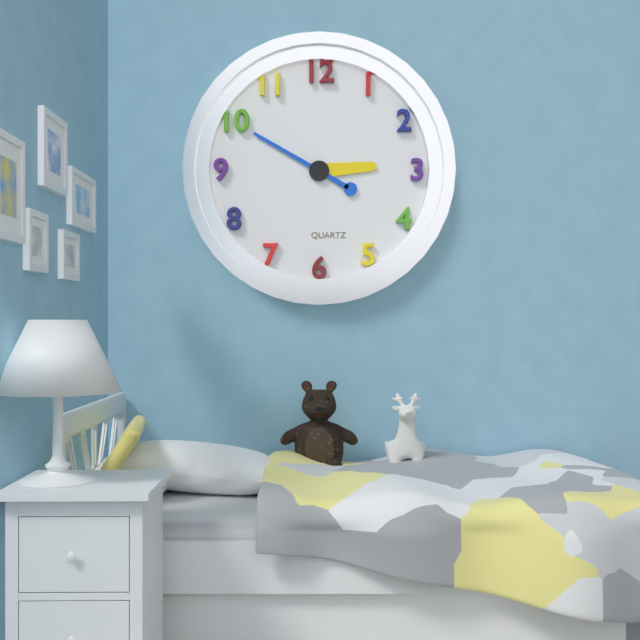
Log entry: 2:50
